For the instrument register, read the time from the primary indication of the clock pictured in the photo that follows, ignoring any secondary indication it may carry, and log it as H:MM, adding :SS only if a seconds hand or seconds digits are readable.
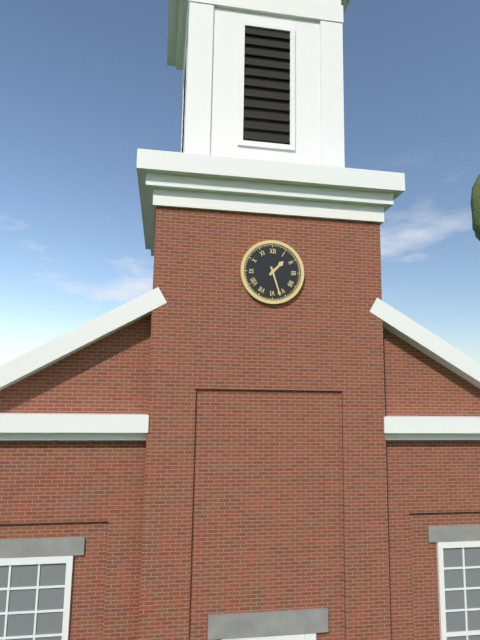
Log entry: 1:27
